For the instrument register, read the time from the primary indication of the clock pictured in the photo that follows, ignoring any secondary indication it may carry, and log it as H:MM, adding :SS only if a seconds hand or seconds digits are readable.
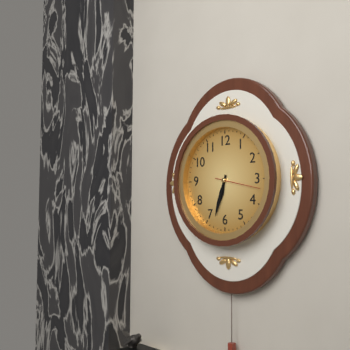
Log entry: 6:33
